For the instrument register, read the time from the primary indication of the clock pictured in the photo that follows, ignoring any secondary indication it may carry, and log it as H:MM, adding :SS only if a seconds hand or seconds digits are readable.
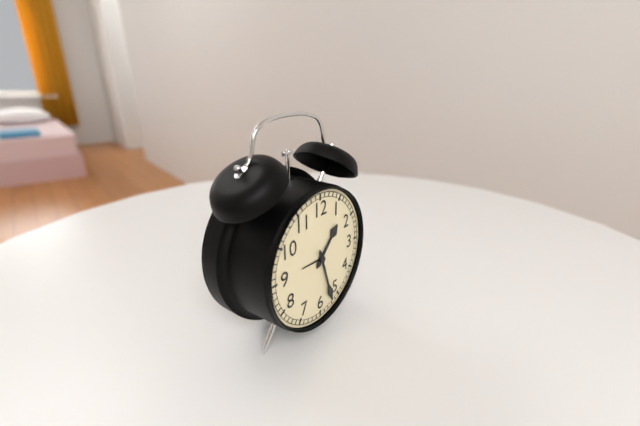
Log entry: 1:27
